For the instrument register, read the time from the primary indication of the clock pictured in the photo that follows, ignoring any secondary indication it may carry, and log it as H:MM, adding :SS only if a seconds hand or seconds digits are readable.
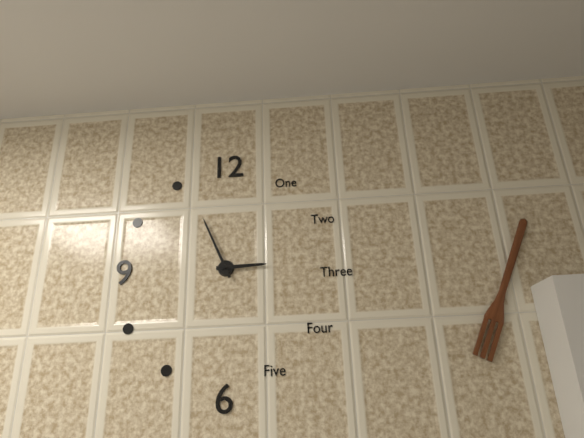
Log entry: 2:56
